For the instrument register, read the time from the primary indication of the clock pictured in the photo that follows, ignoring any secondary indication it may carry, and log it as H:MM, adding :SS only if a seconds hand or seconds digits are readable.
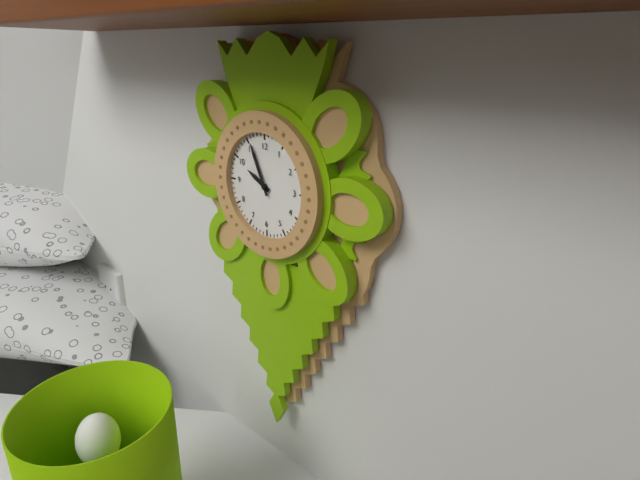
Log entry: 9:56
